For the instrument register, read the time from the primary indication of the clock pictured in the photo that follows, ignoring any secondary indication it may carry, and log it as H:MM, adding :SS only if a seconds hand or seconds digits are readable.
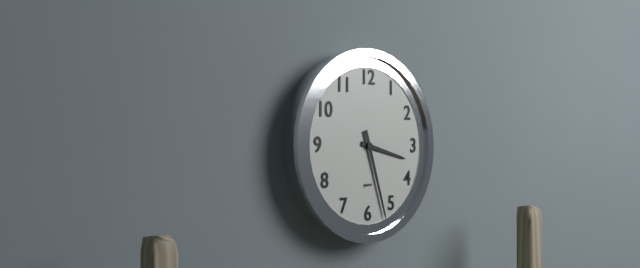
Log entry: 3:27
